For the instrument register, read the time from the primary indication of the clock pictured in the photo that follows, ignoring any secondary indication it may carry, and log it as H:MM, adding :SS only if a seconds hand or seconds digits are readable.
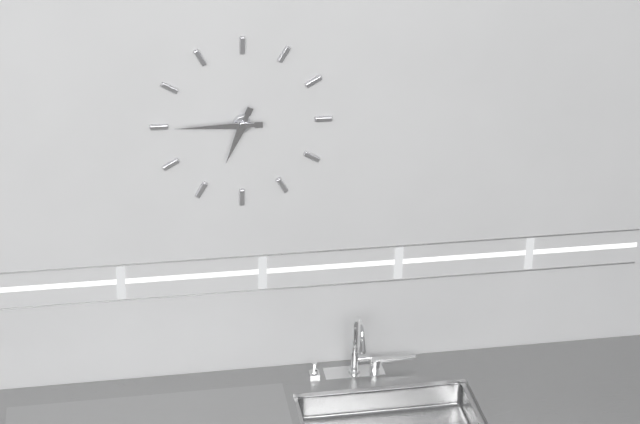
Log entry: 6:45
